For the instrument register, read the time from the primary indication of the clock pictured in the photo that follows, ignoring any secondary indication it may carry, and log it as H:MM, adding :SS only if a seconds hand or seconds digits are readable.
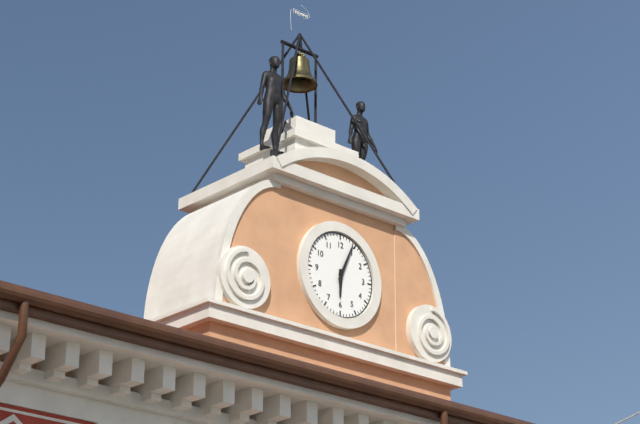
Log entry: 6:04
